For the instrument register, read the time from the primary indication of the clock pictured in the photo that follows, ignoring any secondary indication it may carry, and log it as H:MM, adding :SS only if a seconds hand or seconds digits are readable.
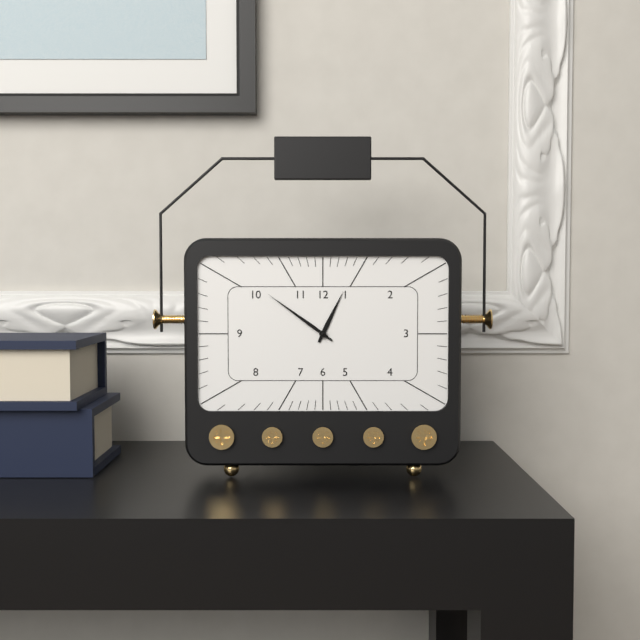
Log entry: 12:51
